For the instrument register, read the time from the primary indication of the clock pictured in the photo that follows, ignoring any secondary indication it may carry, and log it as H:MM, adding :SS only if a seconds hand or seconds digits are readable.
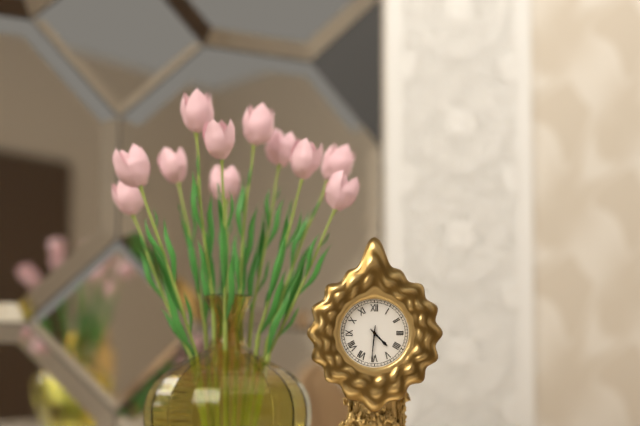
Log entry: 4:31
